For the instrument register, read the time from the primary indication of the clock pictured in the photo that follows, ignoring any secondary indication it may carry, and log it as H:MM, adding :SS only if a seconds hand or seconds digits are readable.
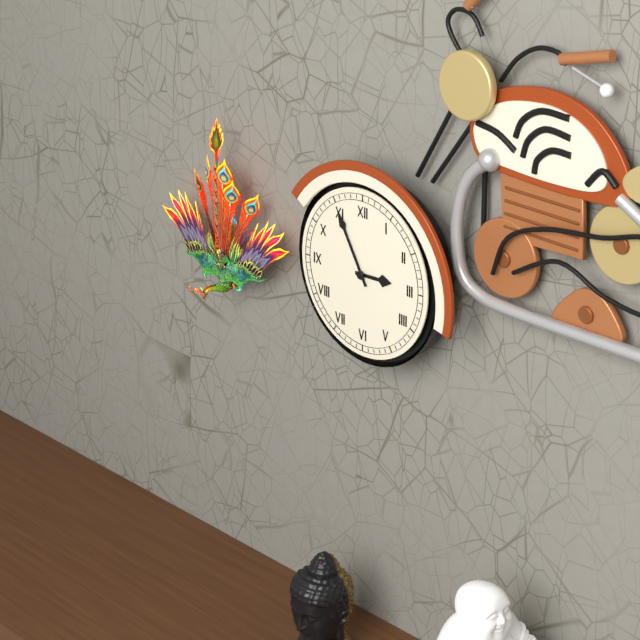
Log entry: 2:55
